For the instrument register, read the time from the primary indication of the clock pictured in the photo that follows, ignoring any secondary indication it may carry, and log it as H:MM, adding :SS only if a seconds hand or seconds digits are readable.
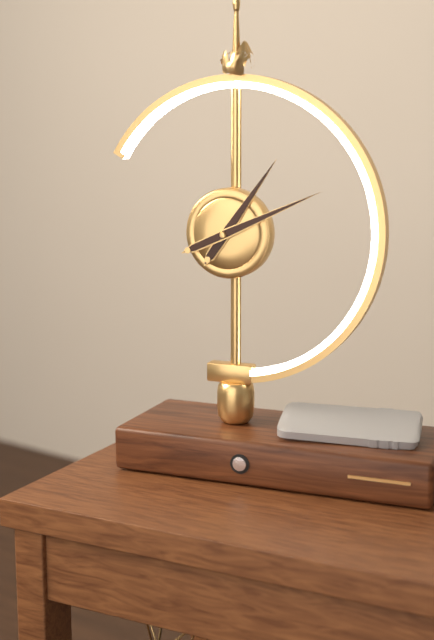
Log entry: 1:11
